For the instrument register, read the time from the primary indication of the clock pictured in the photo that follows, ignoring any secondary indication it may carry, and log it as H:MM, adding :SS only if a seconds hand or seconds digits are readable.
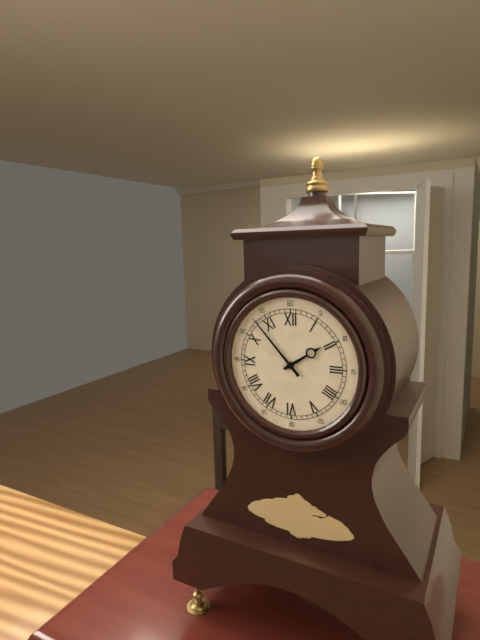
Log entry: 1:53
